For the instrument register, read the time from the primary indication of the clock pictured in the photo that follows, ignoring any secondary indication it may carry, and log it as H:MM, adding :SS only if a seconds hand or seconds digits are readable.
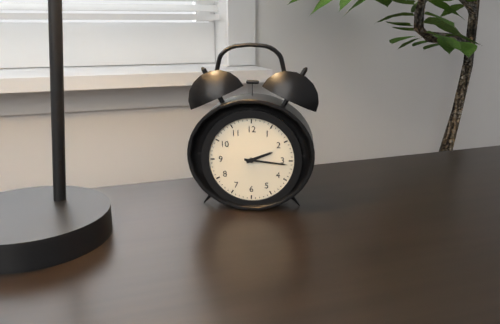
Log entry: 2:16
